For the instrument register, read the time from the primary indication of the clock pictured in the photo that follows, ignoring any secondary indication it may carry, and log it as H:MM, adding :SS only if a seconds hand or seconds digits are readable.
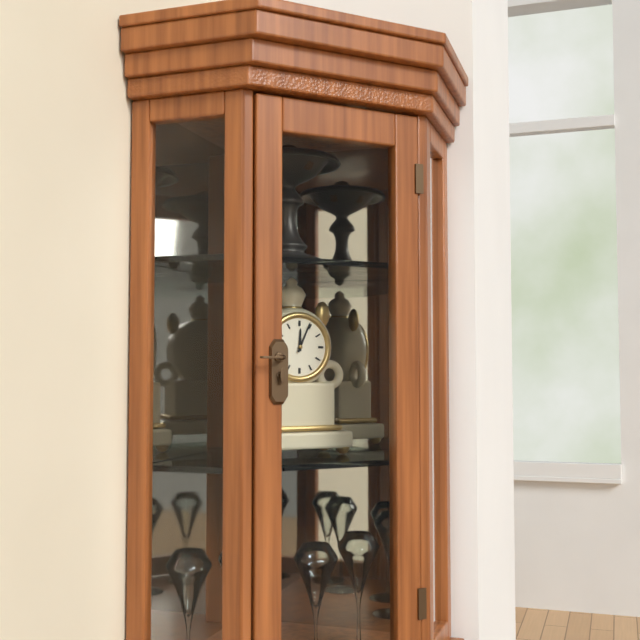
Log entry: 12:04
